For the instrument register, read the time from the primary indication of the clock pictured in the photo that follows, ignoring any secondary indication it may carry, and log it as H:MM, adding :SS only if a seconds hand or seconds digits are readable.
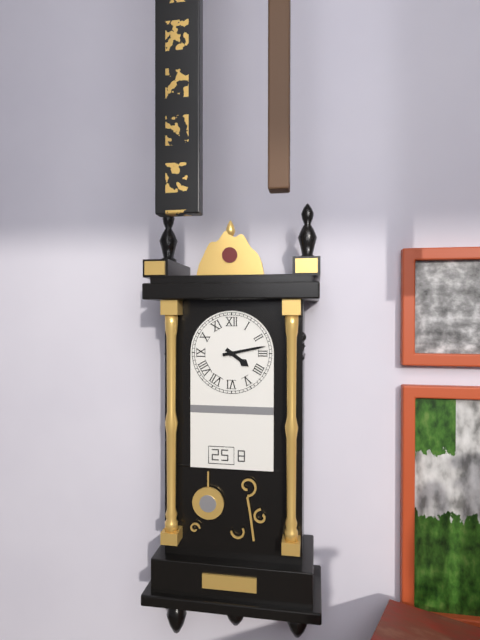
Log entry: 4:13
